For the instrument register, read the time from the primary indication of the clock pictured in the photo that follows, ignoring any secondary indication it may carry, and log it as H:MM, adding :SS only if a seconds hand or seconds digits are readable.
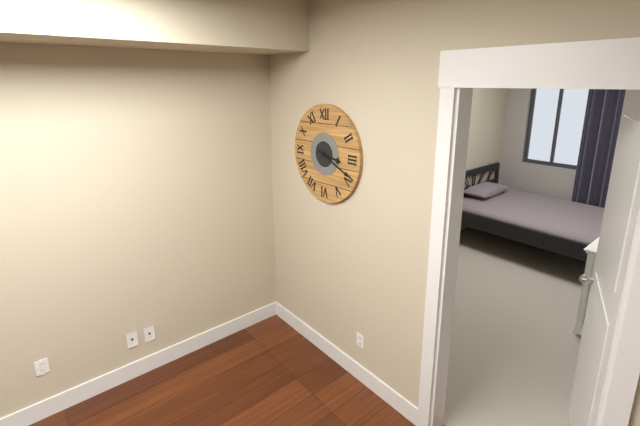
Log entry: 3:19
